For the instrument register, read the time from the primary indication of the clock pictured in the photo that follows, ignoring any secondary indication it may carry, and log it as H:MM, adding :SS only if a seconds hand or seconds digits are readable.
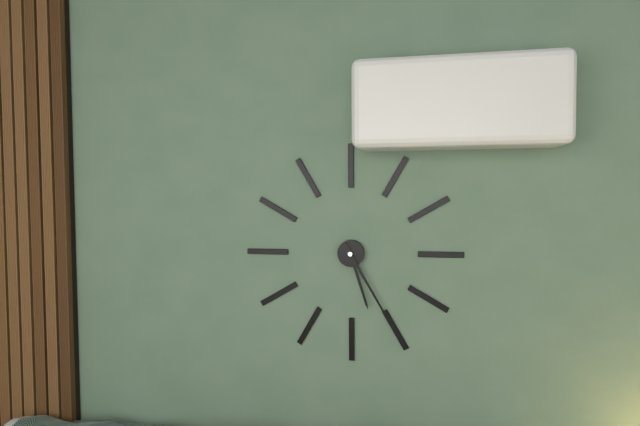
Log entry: 5:25
